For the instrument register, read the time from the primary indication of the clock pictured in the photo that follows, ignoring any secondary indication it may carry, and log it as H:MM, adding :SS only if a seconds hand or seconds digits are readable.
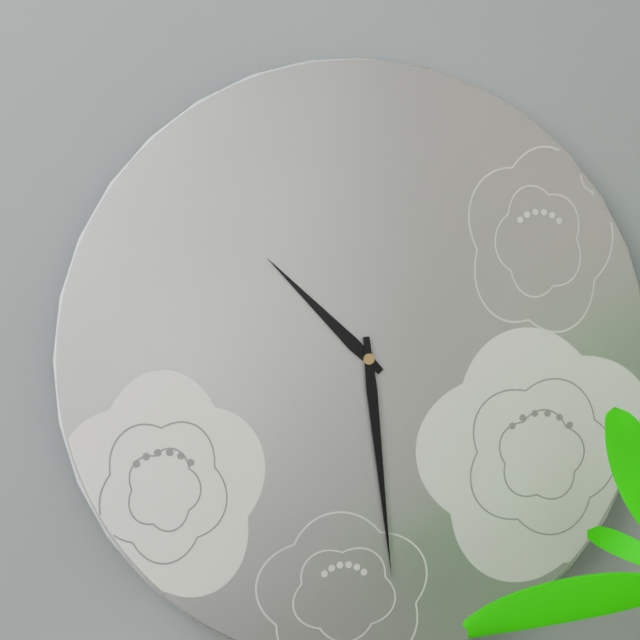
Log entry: 10:29
